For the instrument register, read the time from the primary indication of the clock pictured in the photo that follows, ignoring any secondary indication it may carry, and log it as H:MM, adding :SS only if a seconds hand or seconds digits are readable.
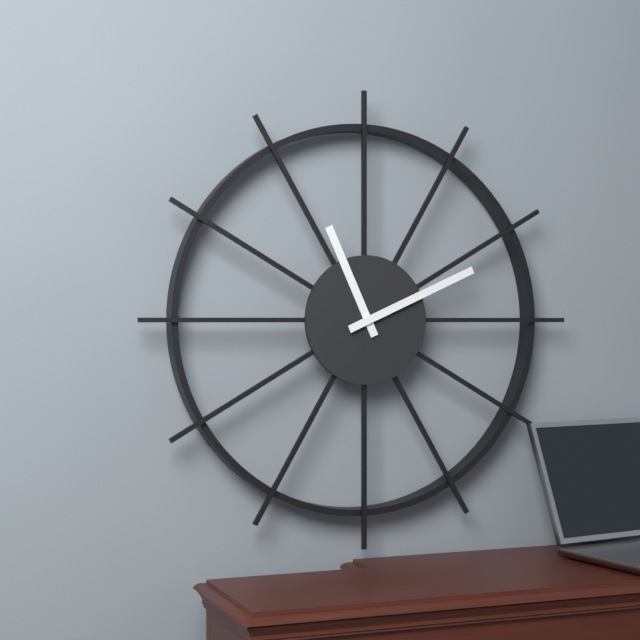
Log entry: 11:11
